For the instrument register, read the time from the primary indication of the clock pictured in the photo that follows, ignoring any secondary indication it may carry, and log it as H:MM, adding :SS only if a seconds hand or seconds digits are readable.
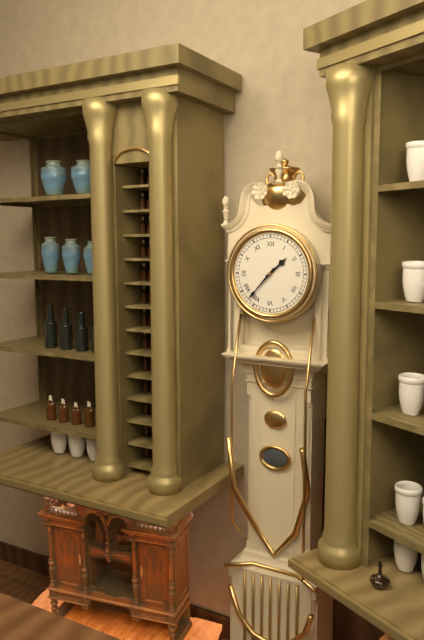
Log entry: 1:37
